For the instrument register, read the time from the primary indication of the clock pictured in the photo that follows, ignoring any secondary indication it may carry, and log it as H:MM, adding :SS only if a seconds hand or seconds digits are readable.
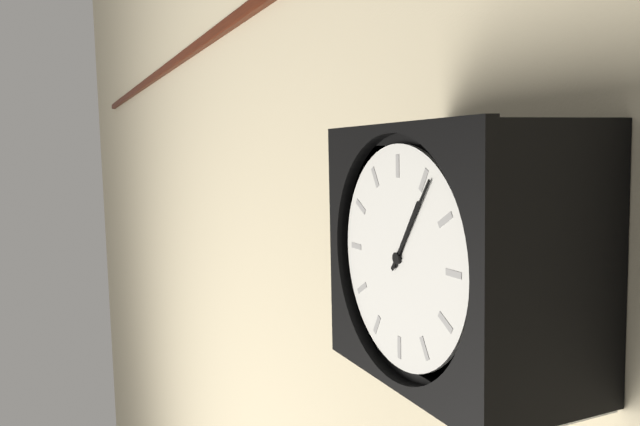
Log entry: 1:06
